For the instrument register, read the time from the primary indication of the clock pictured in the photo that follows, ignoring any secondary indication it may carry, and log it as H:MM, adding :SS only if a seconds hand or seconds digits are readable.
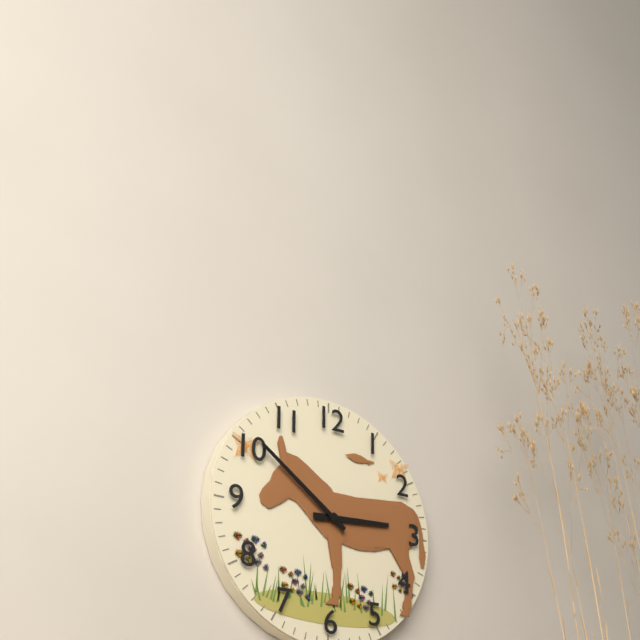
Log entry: 2:51
